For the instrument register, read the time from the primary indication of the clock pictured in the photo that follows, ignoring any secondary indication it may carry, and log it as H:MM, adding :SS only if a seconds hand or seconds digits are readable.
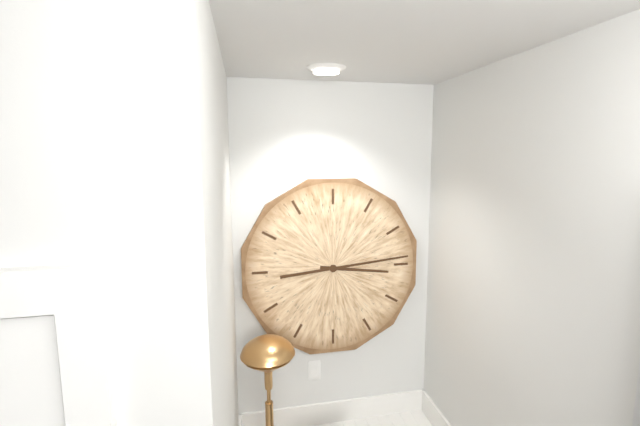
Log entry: 3:14
